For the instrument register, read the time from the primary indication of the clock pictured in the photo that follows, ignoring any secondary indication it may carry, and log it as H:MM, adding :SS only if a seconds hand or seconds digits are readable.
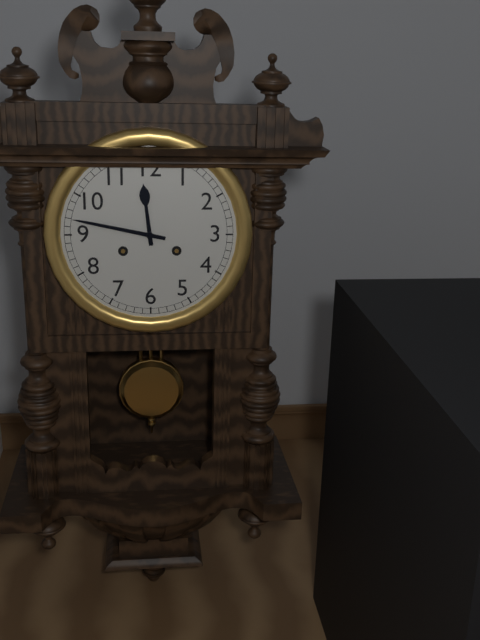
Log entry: 11:47
